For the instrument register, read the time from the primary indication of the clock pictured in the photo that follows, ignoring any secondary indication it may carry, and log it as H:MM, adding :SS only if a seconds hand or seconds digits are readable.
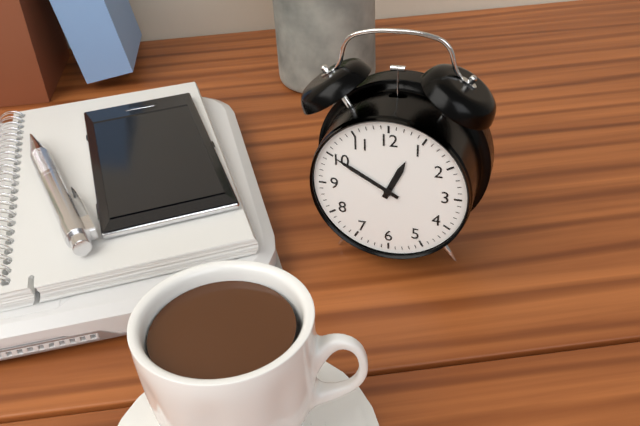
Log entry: 12:50
